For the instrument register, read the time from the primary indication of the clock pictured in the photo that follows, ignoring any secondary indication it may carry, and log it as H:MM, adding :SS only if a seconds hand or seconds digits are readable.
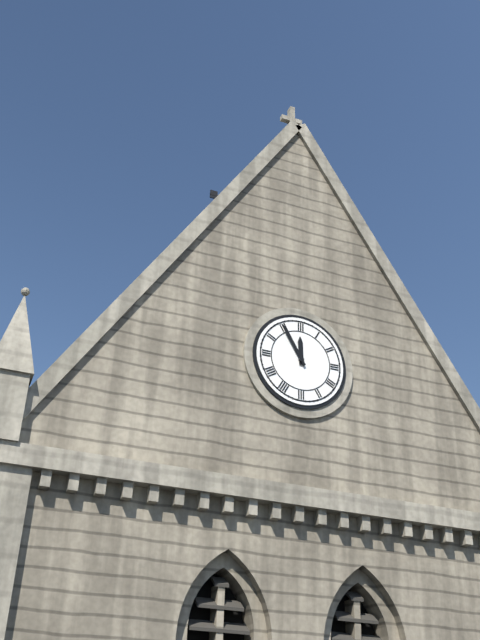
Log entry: 11:55
